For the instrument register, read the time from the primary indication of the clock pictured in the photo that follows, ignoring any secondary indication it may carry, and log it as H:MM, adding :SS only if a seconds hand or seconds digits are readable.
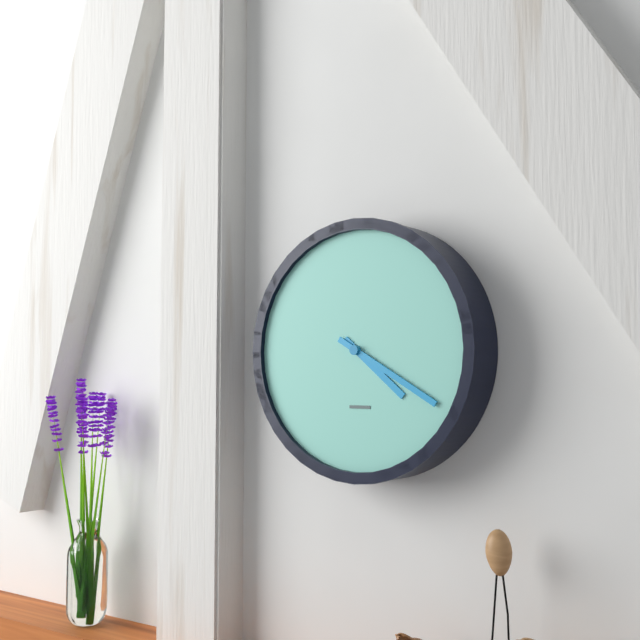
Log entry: 4:20
